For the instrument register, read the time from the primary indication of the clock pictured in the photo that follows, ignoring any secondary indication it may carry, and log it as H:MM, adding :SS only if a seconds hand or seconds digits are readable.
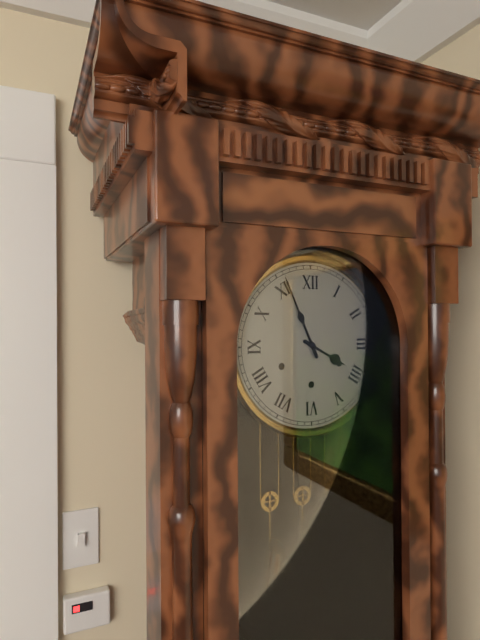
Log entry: 3:56
